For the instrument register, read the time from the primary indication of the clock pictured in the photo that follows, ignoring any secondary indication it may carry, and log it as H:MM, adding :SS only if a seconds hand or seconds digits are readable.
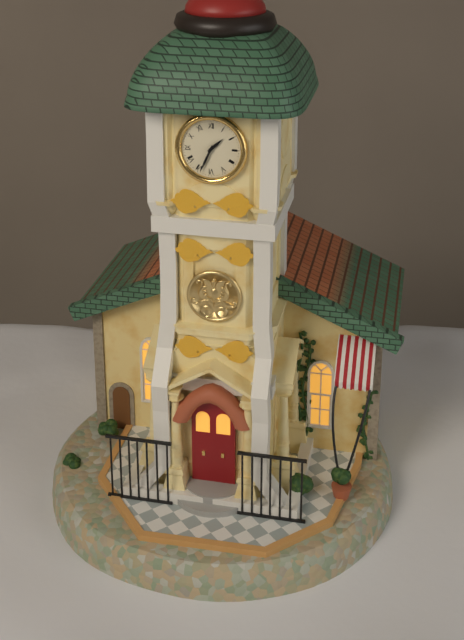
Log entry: 1:34
